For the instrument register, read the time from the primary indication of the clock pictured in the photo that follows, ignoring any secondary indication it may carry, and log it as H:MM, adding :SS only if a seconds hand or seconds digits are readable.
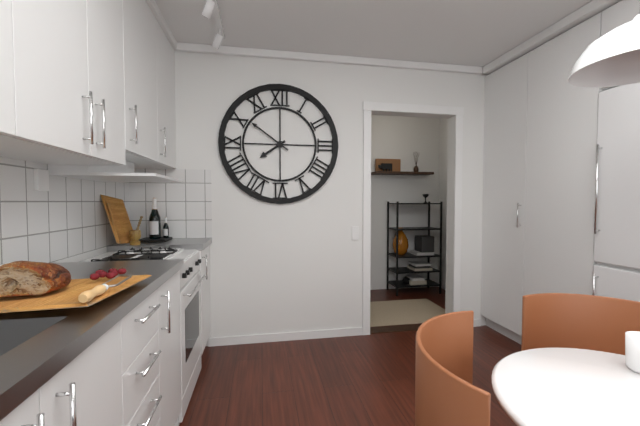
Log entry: 7:51
